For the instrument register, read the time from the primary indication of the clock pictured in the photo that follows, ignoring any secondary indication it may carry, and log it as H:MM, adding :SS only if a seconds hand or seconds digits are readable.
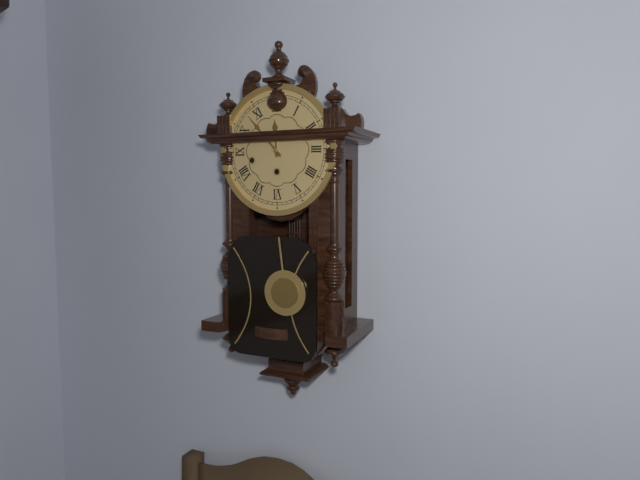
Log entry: 11:53
